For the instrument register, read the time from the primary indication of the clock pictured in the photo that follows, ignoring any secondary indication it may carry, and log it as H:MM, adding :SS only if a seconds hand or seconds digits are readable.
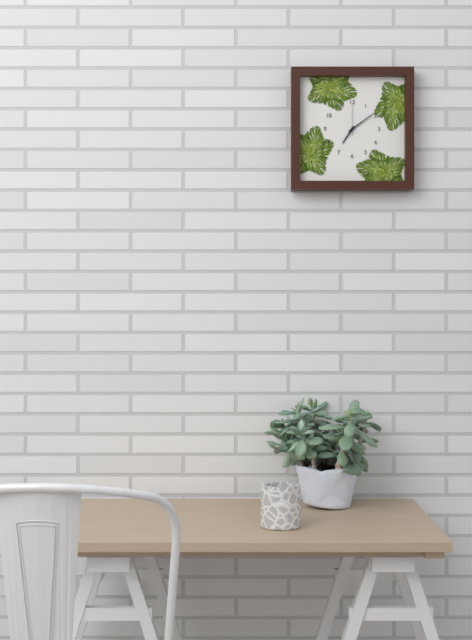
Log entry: 7:09
